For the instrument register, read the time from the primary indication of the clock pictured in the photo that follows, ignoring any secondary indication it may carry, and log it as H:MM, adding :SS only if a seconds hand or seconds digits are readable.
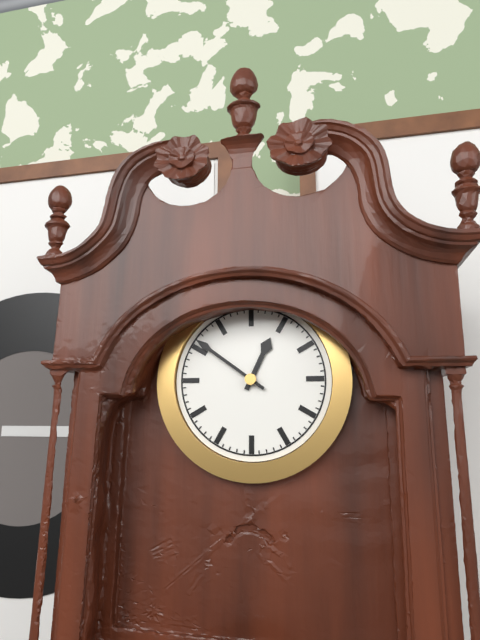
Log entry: 12:51
